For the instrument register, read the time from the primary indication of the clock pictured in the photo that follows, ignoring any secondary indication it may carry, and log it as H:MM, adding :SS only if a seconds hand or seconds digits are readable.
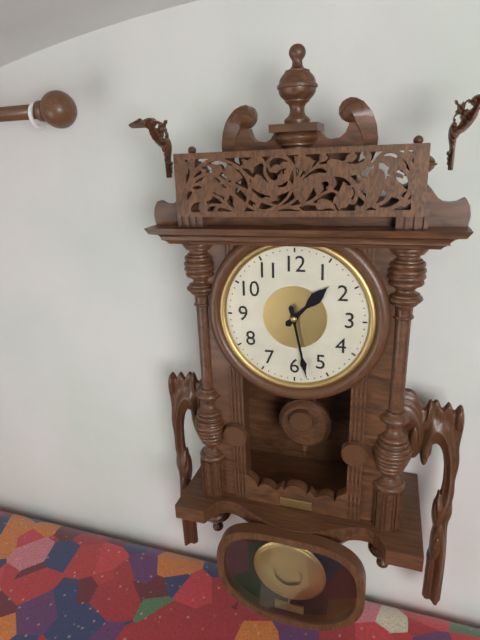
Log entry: 1:28
